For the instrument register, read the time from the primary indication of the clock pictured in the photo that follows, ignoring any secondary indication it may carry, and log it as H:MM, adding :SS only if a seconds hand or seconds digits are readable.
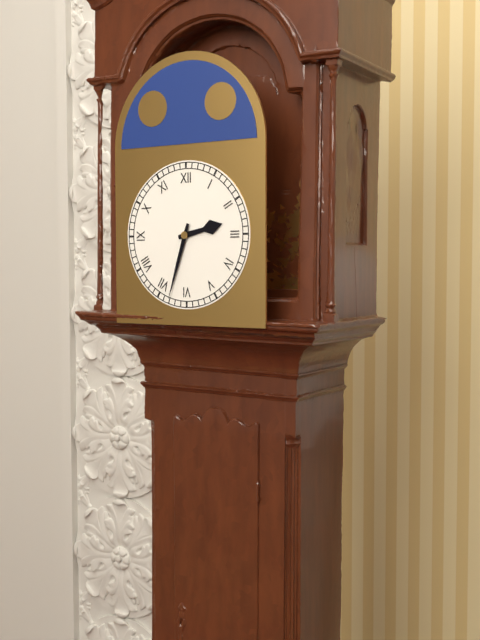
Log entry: 2:33
